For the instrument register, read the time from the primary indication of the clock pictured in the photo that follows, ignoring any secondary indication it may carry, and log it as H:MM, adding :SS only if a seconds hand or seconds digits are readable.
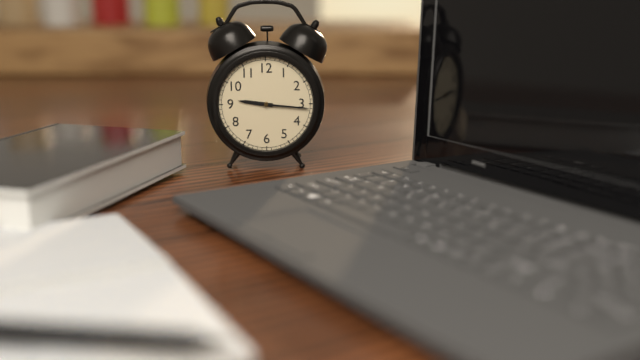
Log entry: 9:16
